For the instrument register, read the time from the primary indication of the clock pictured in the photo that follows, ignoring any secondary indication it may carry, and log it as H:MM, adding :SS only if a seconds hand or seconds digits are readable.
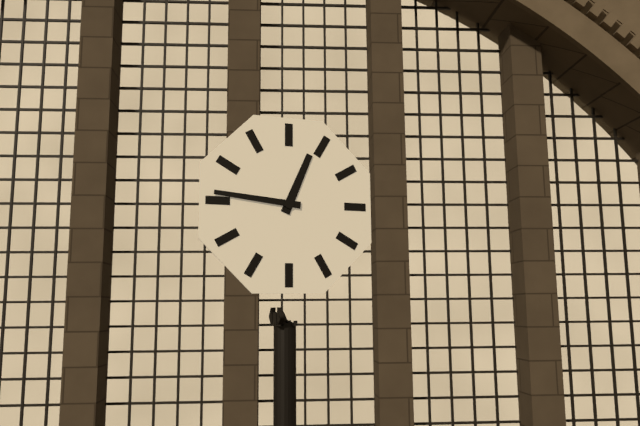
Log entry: 12:46
